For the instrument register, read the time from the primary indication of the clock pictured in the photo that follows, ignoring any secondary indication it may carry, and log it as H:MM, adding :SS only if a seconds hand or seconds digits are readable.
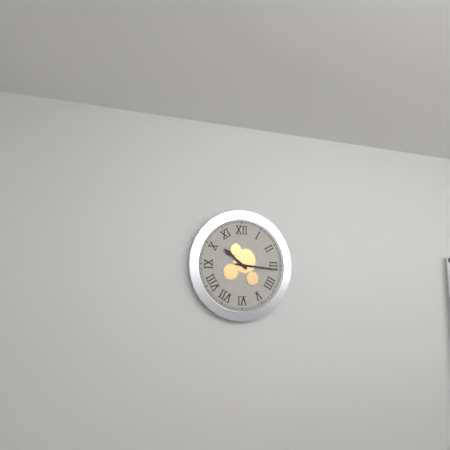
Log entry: 10:16
